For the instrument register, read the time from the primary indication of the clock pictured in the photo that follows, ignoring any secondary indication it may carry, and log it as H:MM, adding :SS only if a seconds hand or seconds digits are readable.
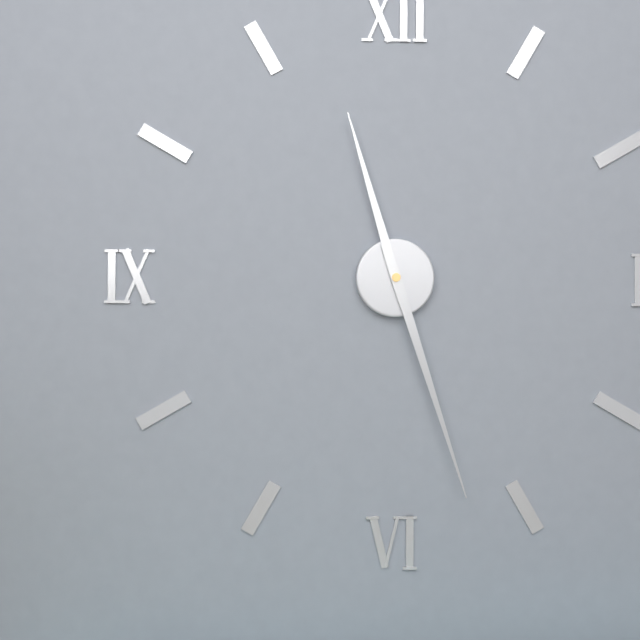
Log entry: 11:27
